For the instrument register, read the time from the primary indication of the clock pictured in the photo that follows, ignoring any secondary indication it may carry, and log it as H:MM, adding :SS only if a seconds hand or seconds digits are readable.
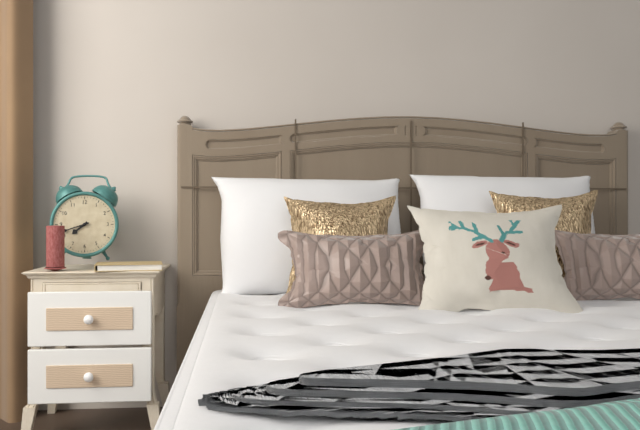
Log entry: 7:42
